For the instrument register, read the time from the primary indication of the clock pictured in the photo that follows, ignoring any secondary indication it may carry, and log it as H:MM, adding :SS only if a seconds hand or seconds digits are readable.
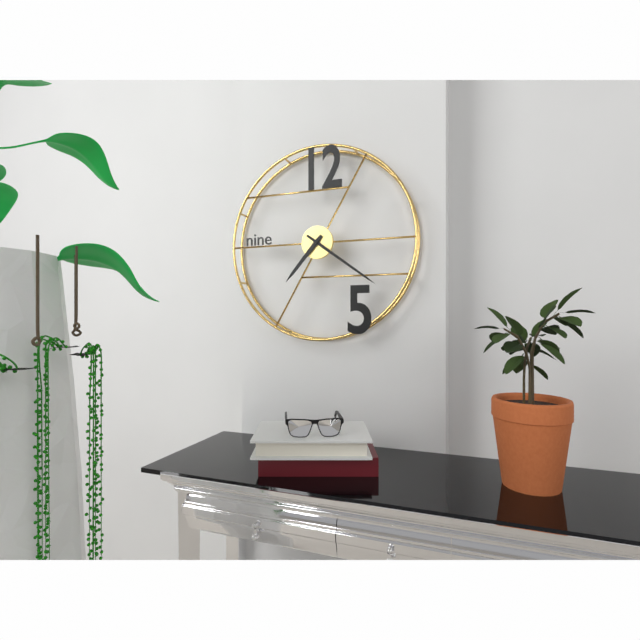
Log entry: 7:21
